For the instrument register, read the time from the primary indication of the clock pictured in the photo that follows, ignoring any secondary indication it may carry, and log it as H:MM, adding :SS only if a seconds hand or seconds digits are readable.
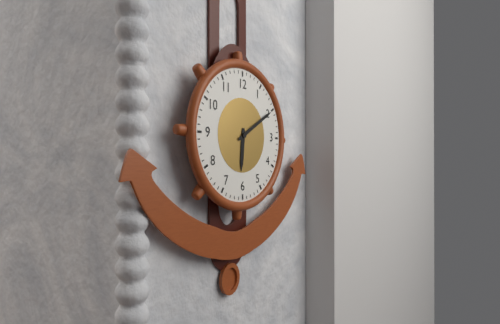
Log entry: 6:10
